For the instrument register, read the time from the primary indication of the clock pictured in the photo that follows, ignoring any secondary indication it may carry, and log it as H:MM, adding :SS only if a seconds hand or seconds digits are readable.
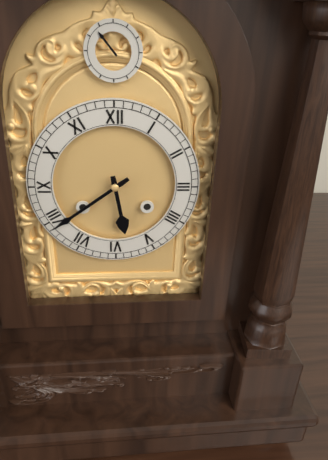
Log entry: 5:39
